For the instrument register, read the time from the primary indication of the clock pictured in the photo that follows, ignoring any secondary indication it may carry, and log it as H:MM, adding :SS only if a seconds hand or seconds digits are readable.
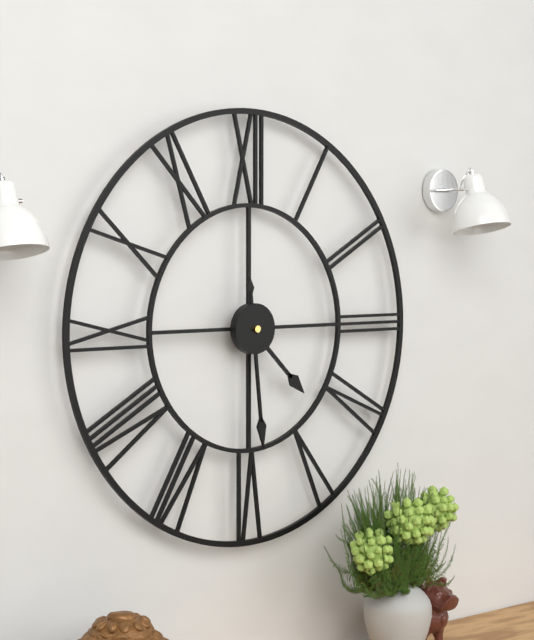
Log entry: 4:29
